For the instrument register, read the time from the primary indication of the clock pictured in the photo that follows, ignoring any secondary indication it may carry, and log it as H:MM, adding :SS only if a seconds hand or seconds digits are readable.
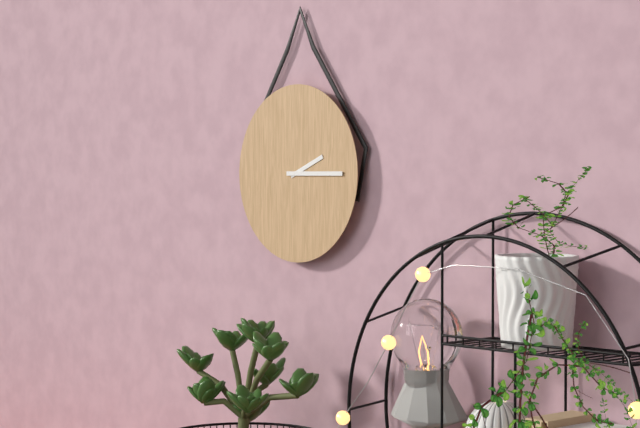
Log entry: 2:15
